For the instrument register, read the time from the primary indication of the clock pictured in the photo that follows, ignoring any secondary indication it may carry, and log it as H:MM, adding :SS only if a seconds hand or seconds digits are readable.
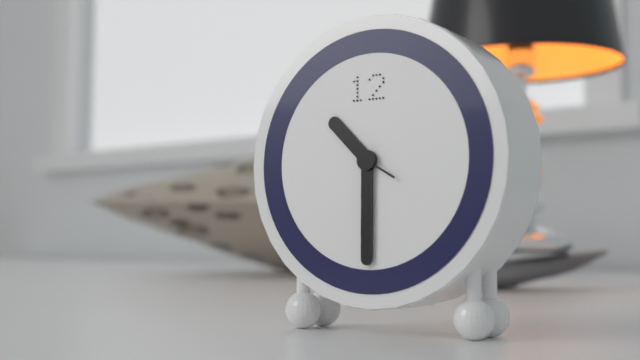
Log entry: 10:30
